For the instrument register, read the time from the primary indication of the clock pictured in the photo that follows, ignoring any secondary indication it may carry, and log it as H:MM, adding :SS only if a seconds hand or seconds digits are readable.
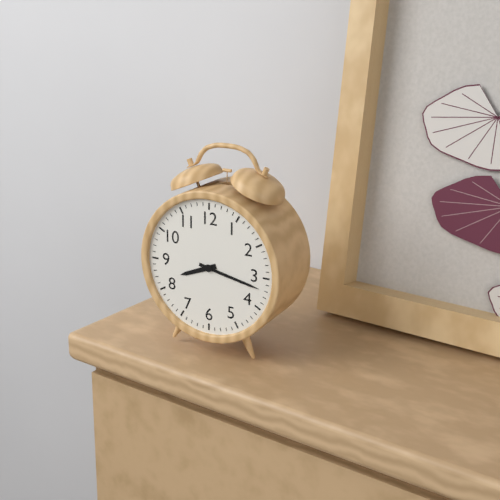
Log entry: 8:17
